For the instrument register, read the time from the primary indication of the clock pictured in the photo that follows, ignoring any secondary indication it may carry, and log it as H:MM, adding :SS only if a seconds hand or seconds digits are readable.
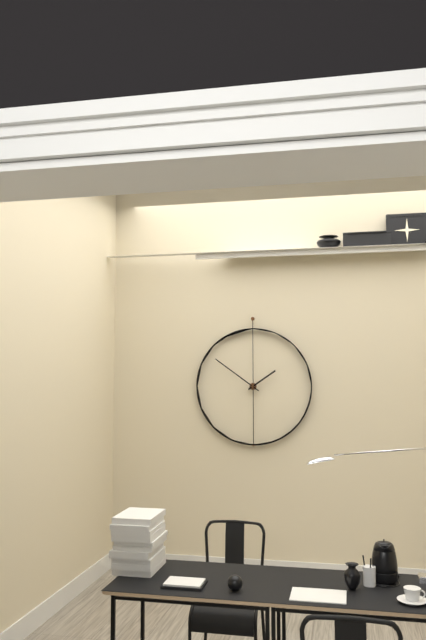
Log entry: 1:51
